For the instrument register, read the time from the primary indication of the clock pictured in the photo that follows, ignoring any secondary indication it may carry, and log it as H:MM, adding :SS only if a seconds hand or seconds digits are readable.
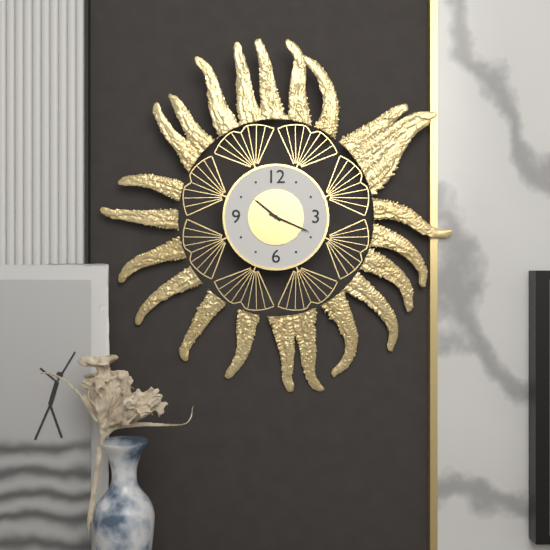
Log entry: 10:19
